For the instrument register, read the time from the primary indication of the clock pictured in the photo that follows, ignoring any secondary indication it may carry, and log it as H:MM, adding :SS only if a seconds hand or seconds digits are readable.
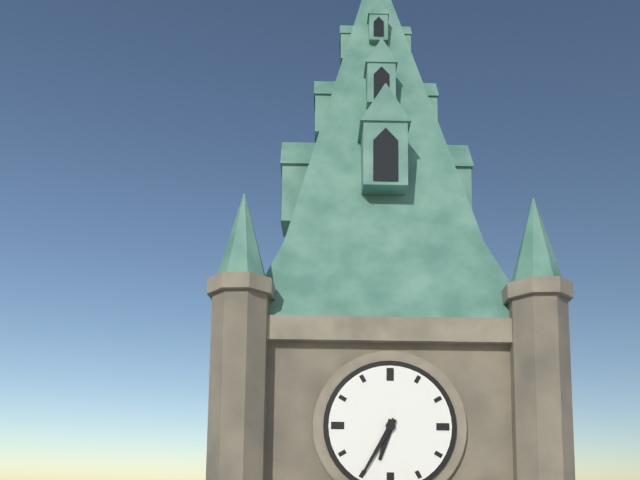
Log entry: 6:35
